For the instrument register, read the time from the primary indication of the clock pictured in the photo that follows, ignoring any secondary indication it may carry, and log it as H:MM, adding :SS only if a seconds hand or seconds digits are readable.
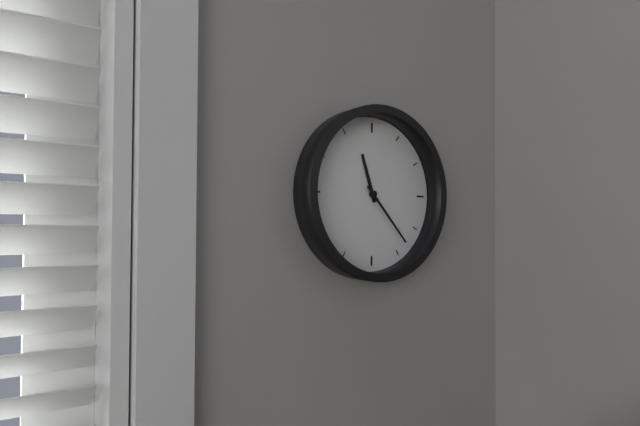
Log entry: 11:23
